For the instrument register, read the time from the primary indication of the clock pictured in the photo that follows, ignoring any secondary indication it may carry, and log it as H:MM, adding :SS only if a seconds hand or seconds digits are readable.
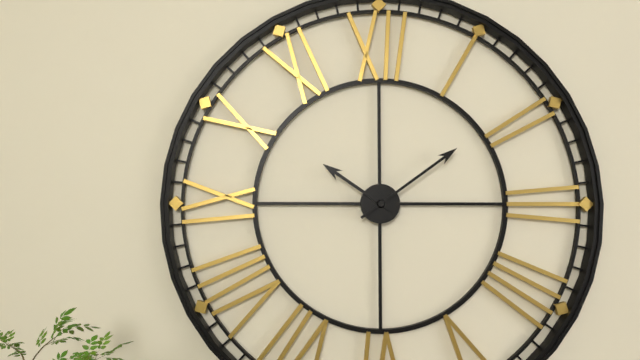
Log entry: 10:09
